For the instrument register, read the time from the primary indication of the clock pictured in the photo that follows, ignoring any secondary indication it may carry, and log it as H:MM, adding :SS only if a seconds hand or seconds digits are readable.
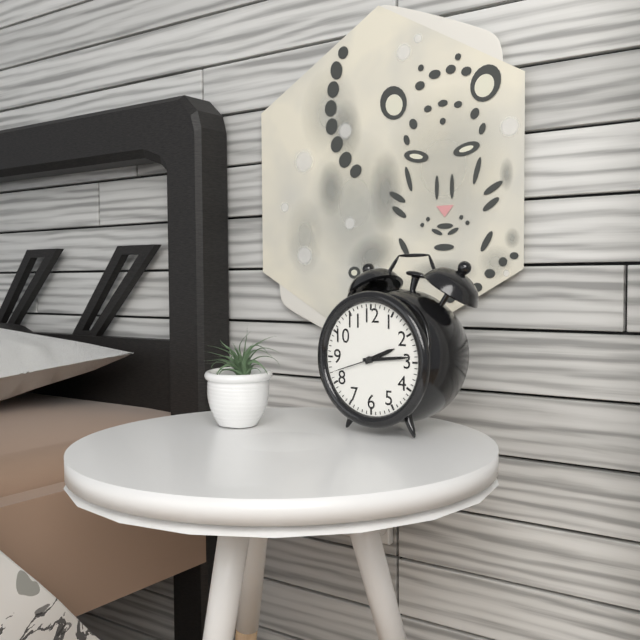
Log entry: 2:14
